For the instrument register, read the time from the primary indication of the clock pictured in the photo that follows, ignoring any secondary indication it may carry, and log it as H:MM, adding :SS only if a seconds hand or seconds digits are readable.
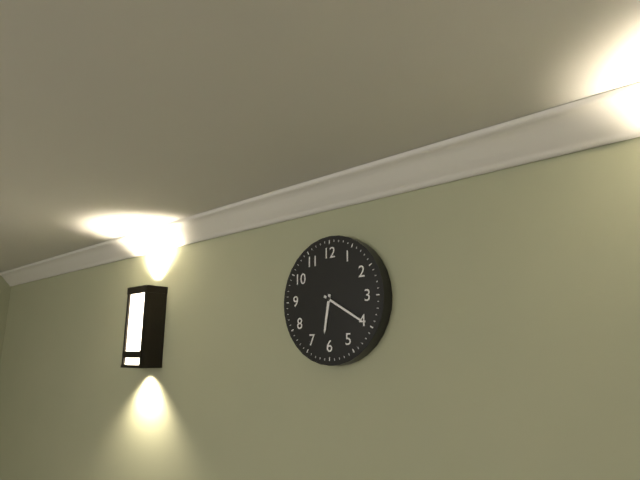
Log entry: 6:20
